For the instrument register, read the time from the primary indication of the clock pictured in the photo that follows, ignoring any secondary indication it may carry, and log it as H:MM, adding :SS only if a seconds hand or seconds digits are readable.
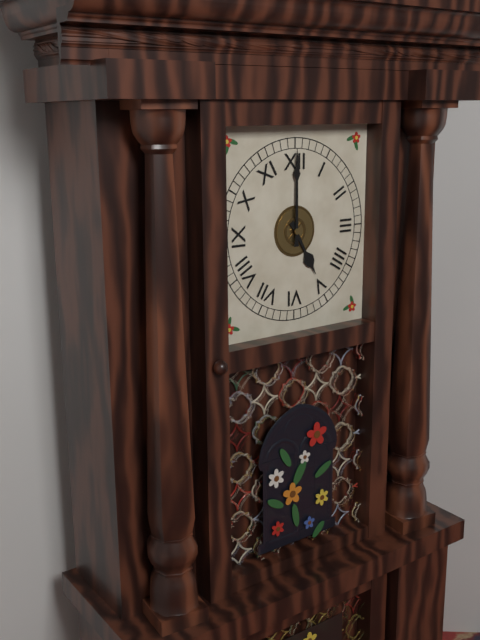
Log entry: 5:00
